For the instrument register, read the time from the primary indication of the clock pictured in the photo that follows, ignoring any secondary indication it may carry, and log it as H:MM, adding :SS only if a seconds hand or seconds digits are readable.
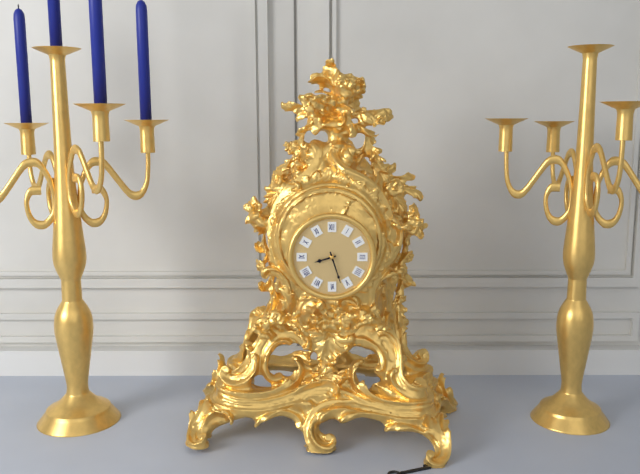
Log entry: 8:27
